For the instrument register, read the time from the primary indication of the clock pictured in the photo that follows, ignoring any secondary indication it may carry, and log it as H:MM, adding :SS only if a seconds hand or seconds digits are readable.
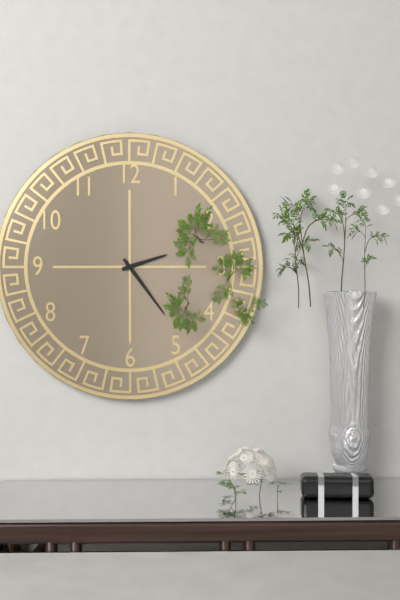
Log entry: 2:24
